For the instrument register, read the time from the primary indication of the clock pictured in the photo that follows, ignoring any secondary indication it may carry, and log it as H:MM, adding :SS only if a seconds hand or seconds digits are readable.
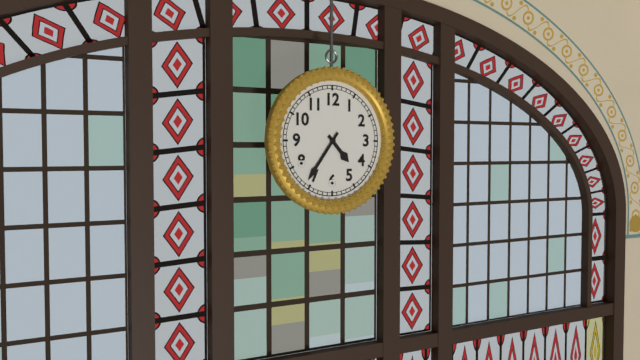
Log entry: 4:36
